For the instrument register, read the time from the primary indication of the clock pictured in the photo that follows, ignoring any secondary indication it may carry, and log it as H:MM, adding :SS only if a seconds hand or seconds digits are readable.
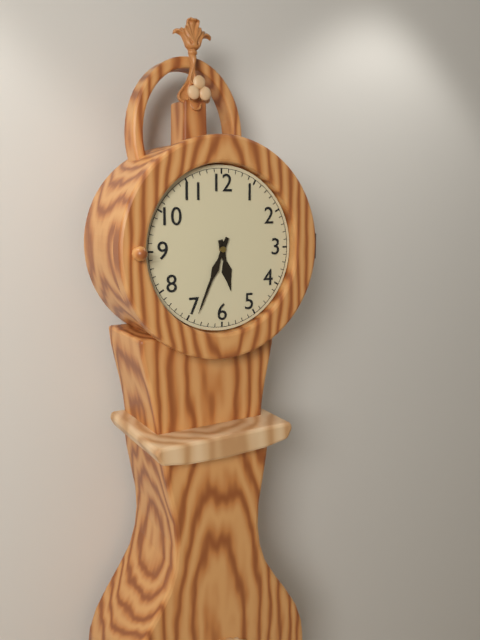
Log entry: 5:34
